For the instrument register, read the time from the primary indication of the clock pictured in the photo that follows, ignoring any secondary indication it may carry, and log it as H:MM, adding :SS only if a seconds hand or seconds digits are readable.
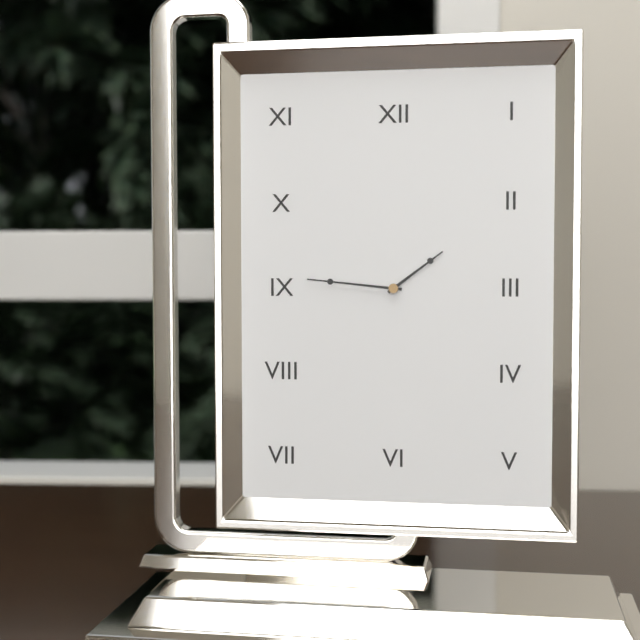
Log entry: 1:46
